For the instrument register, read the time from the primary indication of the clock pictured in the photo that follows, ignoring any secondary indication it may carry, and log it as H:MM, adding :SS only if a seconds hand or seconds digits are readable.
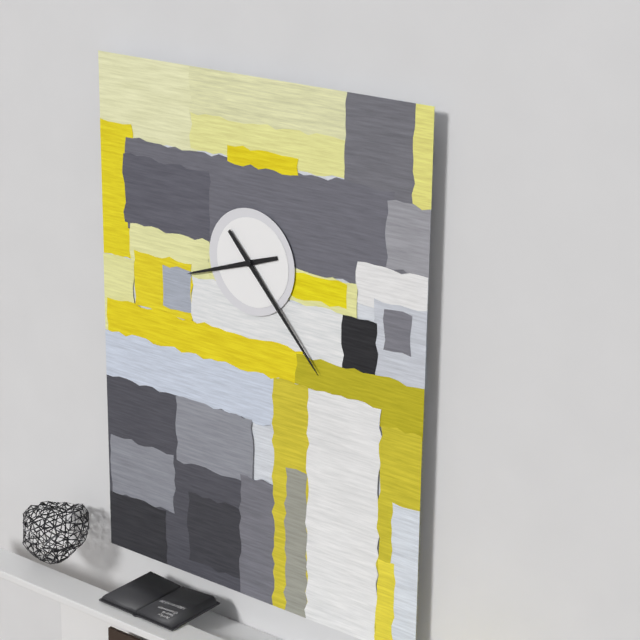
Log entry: 8:23
